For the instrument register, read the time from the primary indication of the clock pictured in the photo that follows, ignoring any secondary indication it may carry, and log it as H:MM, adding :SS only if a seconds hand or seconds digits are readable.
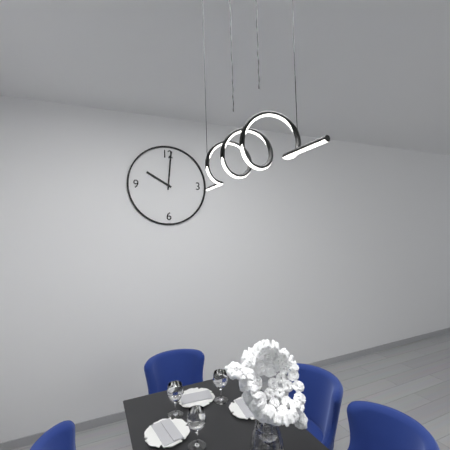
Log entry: 10:01
